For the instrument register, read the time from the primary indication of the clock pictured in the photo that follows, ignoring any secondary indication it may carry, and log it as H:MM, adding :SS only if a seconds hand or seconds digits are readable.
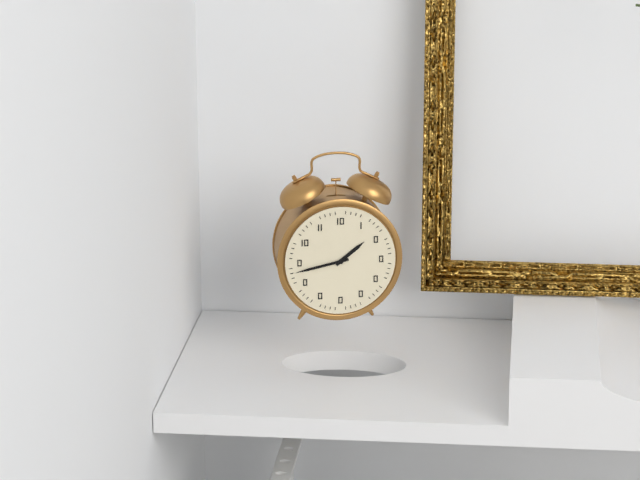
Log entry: 1:43
